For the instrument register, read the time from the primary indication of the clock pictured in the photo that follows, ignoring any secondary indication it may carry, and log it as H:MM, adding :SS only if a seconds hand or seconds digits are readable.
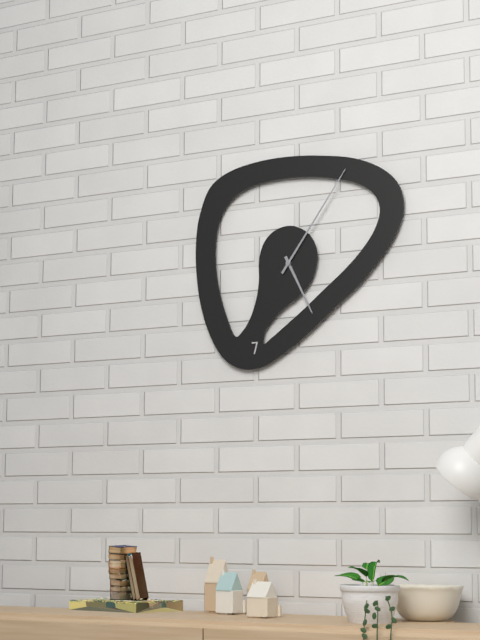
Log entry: 5:06
